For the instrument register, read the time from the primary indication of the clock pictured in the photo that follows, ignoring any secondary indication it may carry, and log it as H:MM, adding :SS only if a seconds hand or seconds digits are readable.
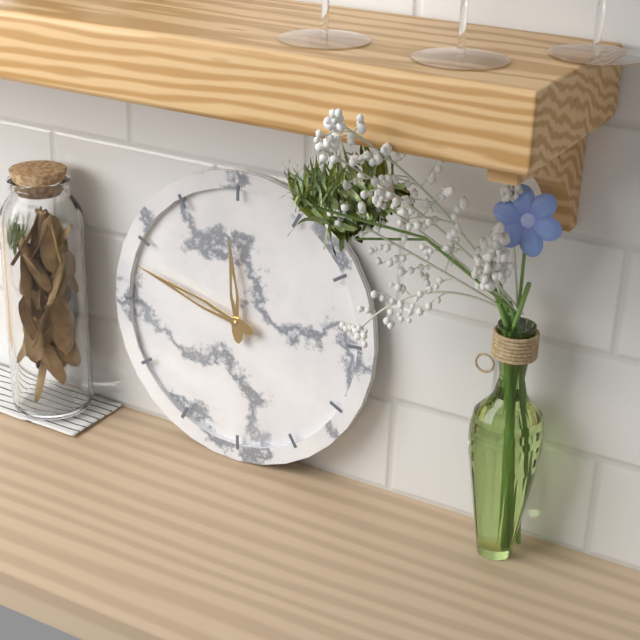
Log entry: 11:48
